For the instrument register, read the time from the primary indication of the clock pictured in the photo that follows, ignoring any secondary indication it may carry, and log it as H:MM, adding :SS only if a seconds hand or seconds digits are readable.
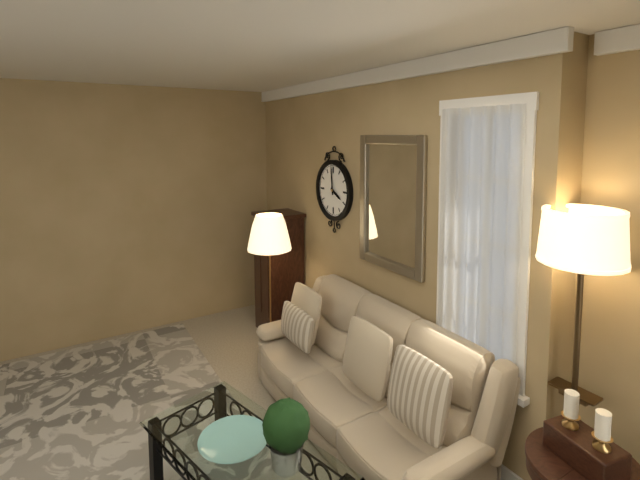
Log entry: 3:59
